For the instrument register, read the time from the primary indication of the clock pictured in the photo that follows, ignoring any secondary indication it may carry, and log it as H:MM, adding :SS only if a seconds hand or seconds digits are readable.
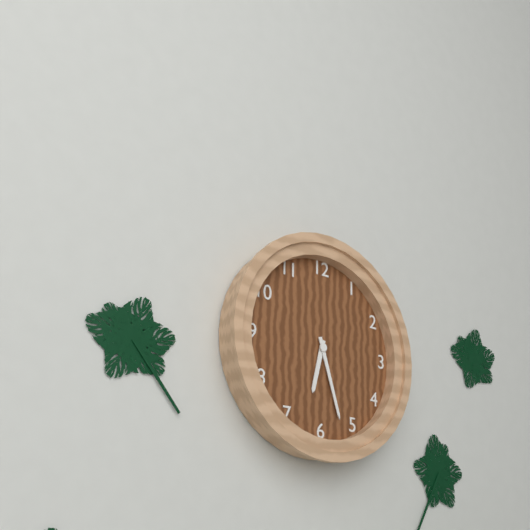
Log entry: 6:27
